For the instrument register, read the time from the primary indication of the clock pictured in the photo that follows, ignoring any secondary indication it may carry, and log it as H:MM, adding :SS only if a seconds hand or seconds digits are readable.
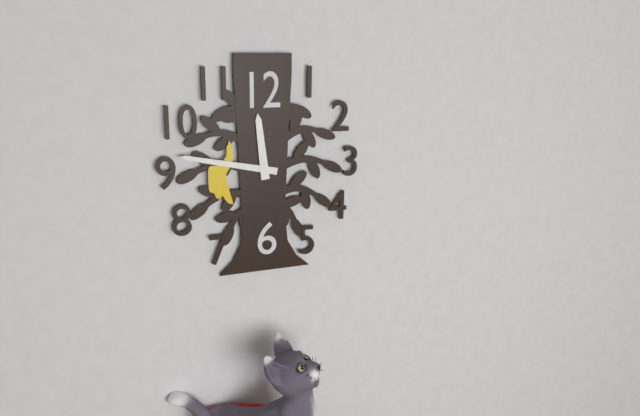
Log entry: 11:47
